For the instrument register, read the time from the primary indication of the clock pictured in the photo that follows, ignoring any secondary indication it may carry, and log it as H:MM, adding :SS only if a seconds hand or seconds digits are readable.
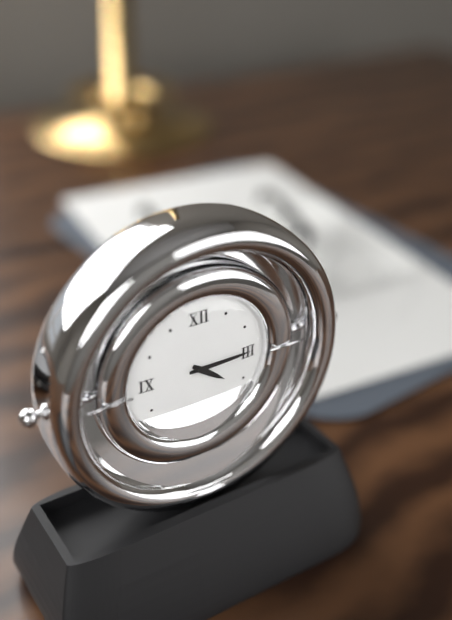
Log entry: 4:15
